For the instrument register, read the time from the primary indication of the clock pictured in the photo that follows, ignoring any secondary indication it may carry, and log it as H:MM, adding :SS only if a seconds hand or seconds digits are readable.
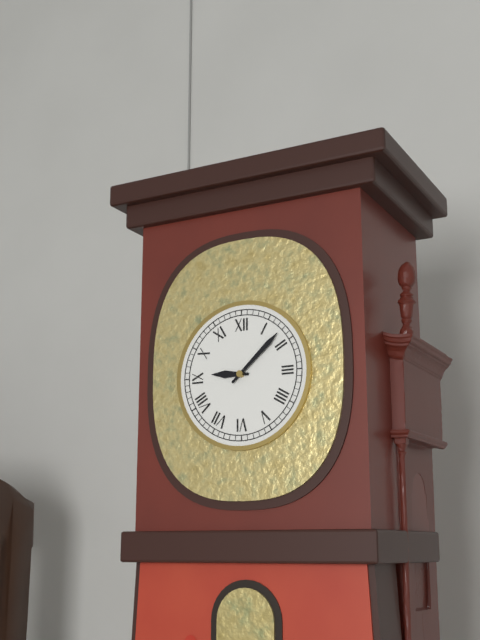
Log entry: 9:08
